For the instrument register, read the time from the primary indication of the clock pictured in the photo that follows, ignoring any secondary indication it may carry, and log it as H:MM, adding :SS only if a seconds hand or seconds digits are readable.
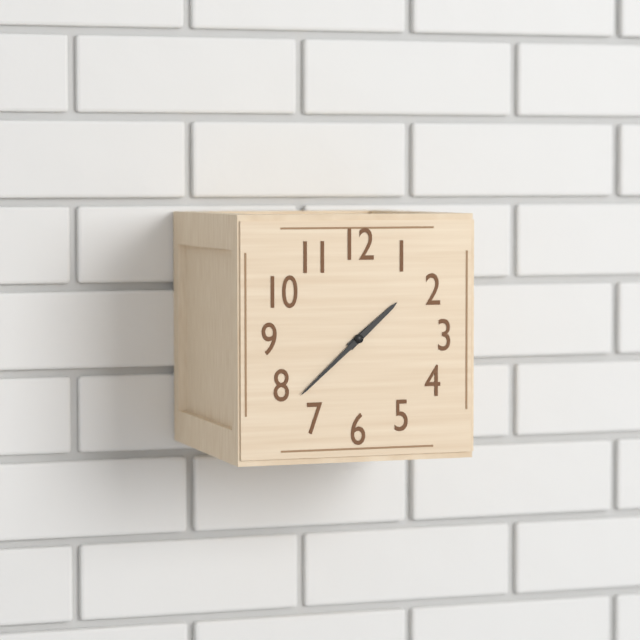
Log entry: 1:38
